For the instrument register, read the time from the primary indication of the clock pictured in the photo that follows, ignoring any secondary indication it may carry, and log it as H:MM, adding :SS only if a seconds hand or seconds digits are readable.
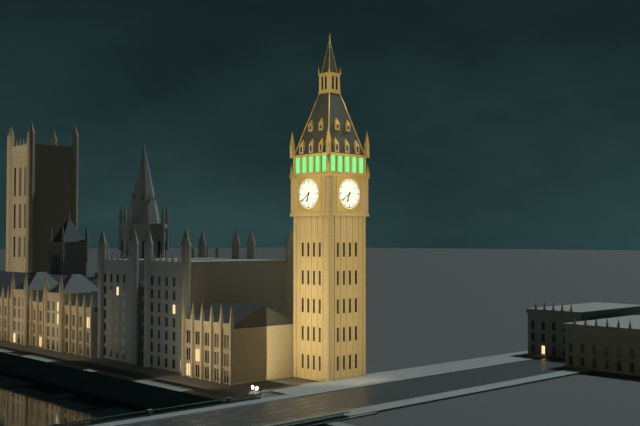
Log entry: 6:39
